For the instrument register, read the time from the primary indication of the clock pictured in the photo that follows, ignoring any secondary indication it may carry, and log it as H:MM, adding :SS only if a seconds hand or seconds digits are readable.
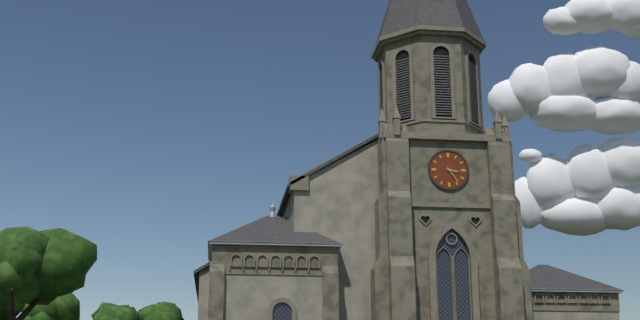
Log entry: 3:24
